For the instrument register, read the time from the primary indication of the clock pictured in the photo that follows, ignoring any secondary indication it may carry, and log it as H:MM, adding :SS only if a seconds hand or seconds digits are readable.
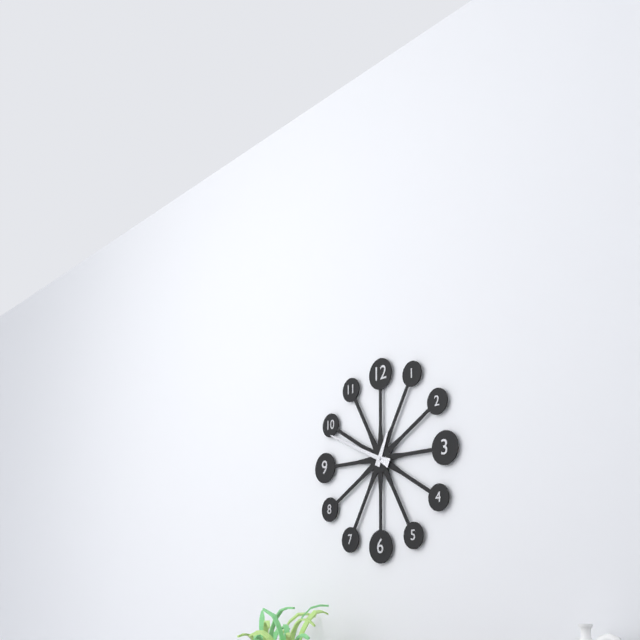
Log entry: 12:49
